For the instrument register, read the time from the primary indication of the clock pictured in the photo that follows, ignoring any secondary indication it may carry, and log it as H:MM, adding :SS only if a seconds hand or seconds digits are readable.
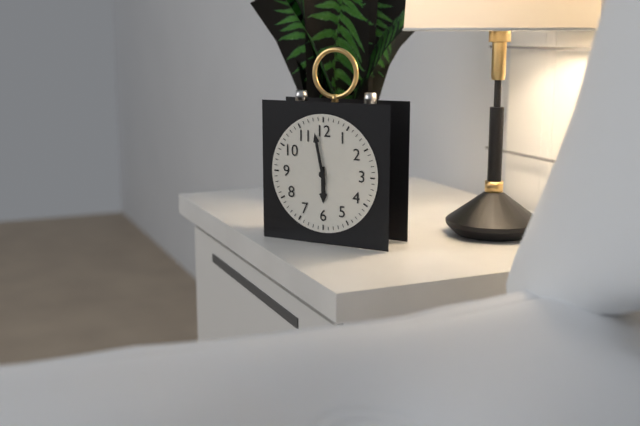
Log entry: 5:58
